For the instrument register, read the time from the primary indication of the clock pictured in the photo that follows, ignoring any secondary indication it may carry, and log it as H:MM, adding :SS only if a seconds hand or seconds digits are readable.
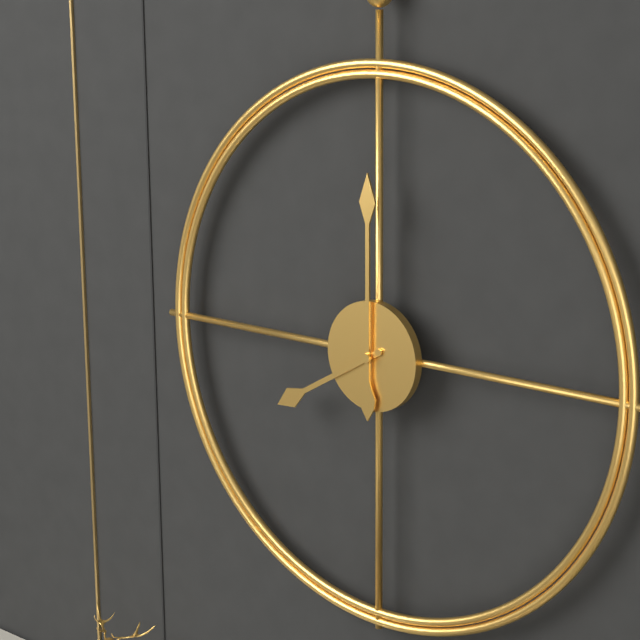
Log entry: 8:00
